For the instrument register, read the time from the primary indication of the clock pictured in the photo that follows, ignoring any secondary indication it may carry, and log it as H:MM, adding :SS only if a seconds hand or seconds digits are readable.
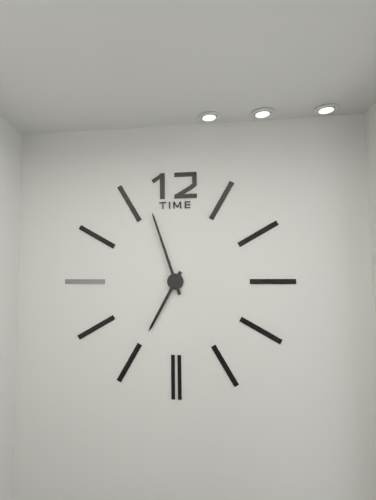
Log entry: 6:57
